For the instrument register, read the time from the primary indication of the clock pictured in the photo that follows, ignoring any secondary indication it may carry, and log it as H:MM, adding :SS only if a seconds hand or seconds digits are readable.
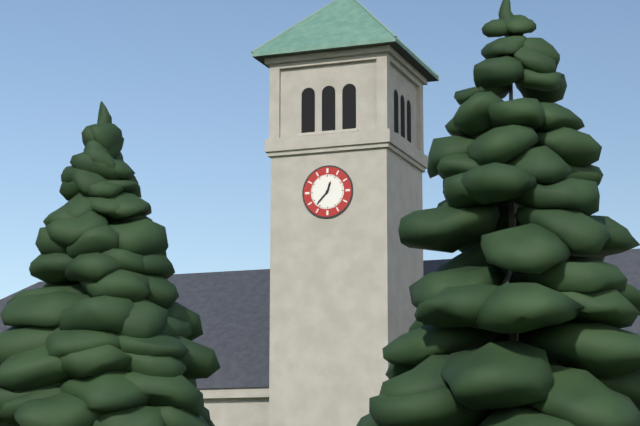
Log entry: 12:37
